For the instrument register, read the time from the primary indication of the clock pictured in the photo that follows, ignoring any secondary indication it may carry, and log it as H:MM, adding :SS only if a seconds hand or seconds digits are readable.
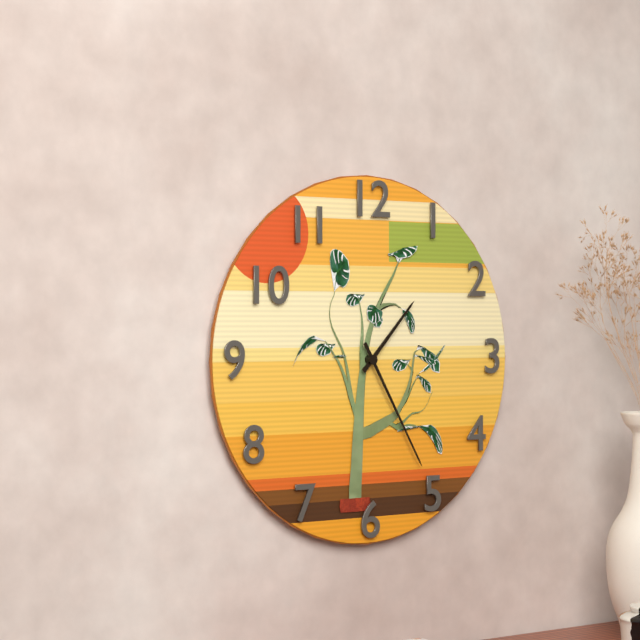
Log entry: 1:25
